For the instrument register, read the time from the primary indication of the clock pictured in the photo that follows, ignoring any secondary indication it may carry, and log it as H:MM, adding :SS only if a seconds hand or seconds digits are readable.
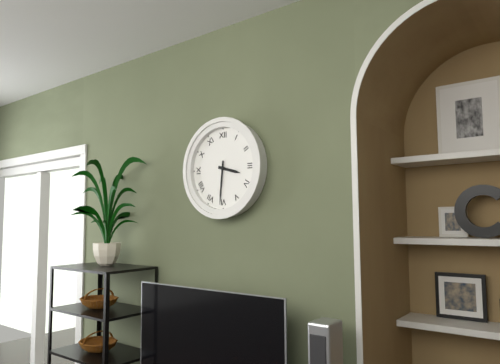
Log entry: 3:31
